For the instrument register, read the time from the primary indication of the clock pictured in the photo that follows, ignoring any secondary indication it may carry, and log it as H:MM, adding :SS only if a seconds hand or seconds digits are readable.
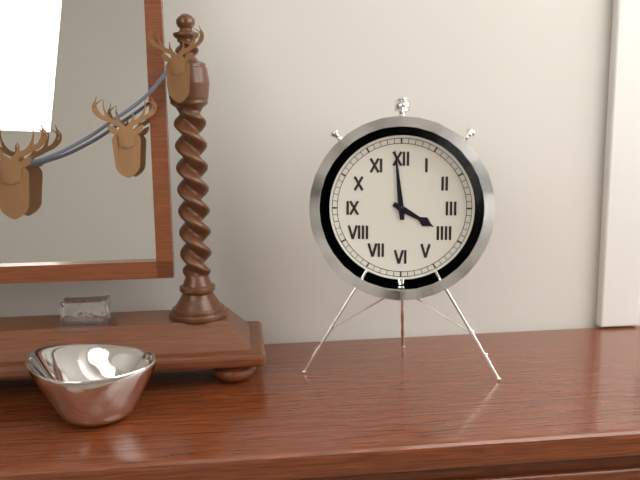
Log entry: 3:59
